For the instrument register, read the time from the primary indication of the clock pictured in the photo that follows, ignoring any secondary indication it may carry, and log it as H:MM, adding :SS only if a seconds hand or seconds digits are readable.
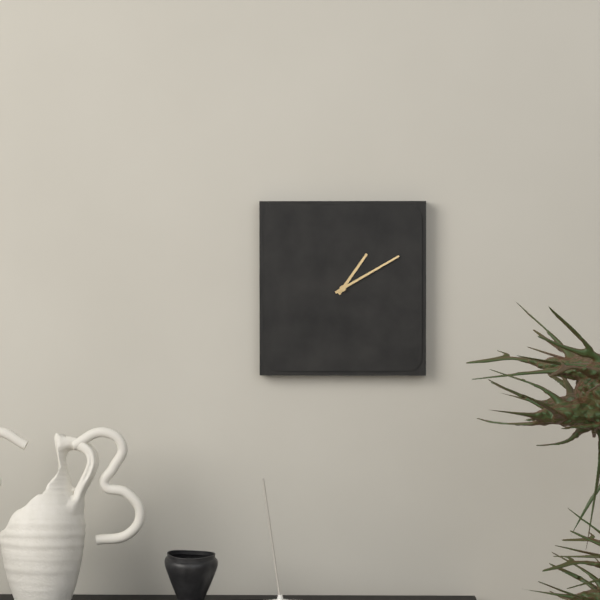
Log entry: 1:10
